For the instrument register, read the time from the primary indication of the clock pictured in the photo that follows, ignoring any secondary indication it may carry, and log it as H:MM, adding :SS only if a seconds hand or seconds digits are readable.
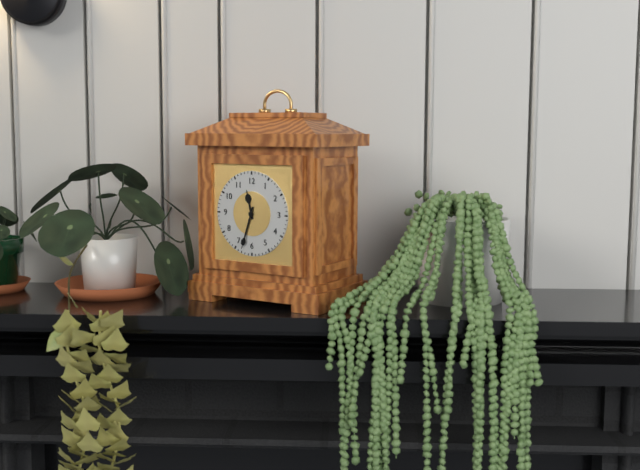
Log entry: 11:33
